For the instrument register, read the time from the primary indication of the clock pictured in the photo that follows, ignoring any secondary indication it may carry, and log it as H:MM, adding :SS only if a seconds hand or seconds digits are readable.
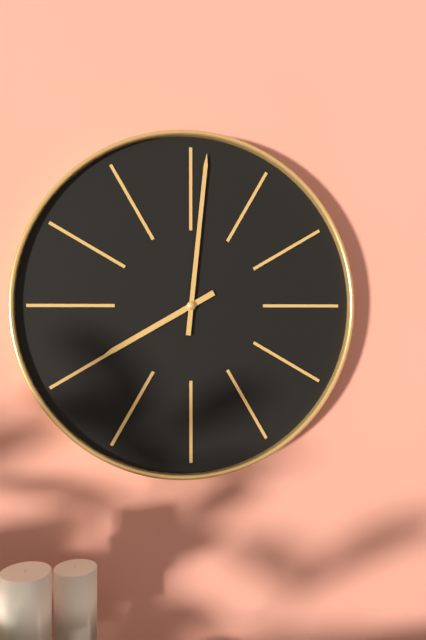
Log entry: 8:01
